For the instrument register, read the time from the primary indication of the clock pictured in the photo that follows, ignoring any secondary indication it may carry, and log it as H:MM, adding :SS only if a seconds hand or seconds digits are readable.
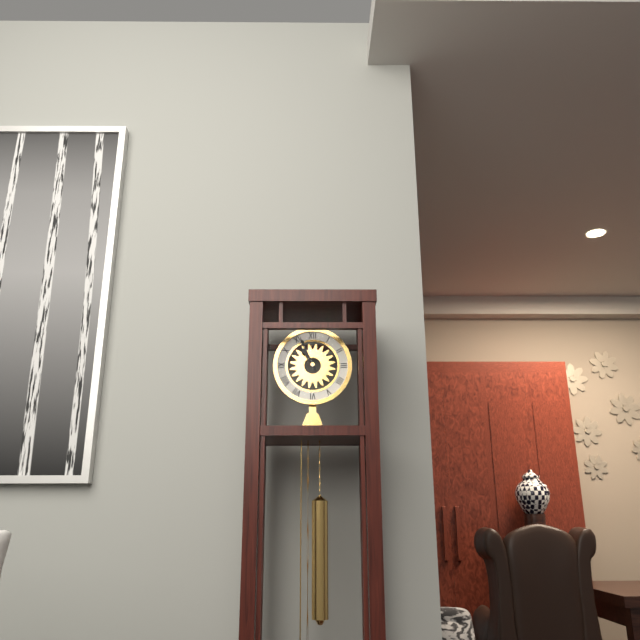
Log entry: 10:56
